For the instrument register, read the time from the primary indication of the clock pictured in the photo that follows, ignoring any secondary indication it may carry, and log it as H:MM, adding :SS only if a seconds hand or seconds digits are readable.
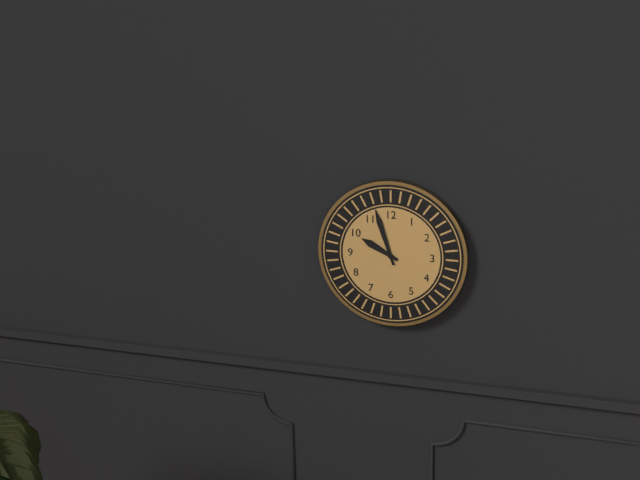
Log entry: 9:57
